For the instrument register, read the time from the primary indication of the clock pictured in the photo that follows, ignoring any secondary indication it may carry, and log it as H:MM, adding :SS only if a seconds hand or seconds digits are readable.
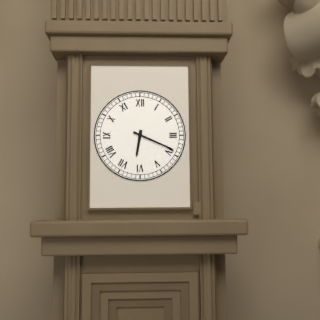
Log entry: 6:19
